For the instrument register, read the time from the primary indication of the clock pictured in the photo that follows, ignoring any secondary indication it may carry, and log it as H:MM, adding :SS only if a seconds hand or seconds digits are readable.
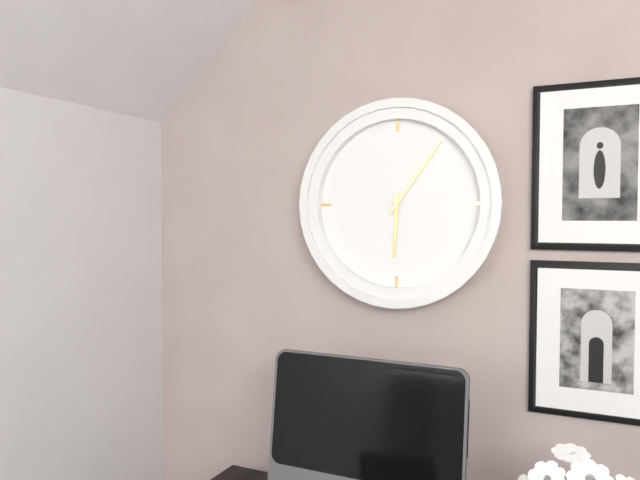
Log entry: 6:06
